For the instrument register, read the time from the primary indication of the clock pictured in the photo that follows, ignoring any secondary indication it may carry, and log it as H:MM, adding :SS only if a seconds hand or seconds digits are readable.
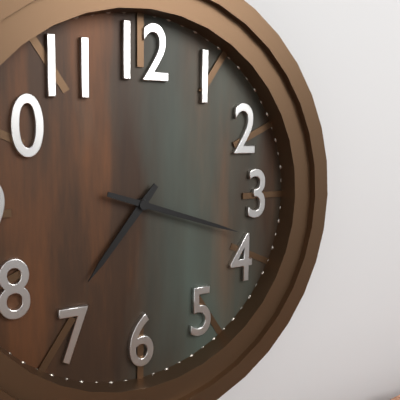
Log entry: 7:18
